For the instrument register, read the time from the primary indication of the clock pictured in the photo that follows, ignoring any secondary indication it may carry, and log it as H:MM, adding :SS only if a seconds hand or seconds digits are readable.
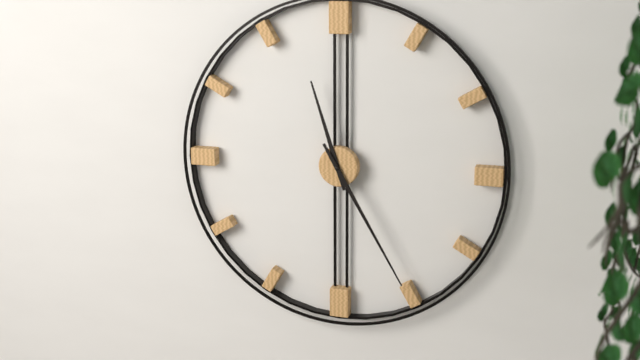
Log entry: 11:25
